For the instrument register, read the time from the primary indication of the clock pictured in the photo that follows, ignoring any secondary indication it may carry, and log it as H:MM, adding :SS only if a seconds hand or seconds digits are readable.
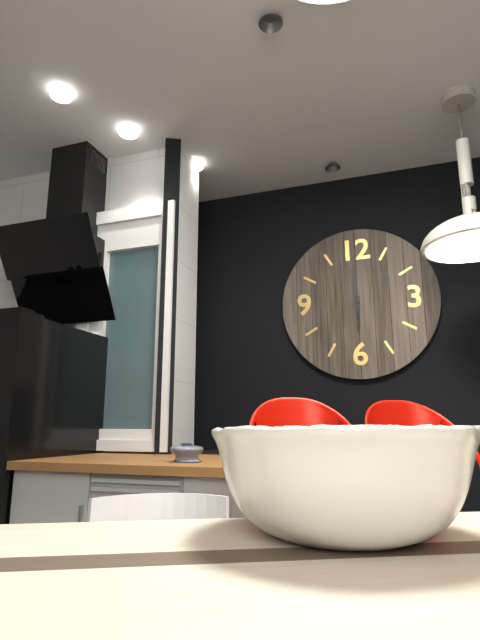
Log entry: 6:00
